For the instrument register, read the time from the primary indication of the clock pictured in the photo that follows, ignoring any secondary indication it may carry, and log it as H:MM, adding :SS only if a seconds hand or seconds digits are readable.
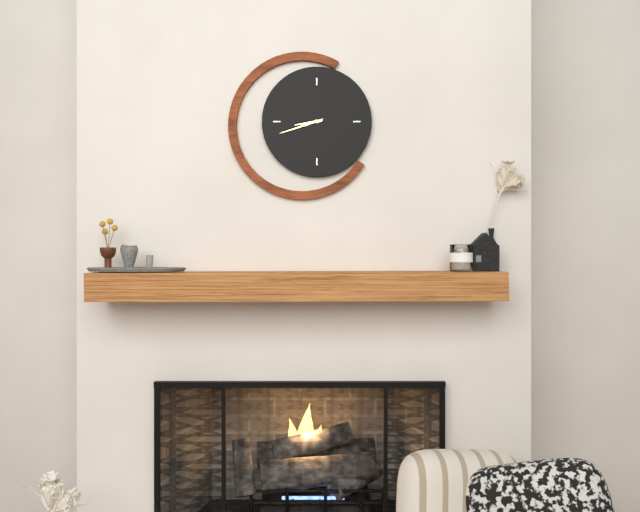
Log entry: 8:42
